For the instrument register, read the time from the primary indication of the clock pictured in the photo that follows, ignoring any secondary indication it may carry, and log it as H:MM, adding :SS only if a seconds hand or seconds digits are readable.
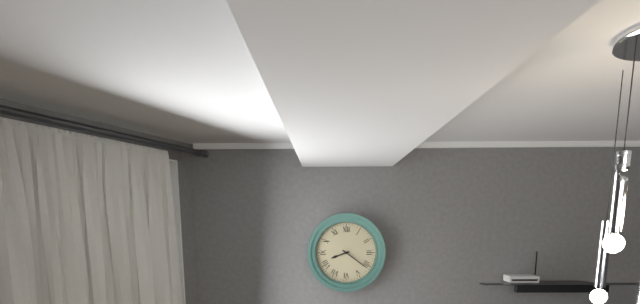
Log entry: 8:21
